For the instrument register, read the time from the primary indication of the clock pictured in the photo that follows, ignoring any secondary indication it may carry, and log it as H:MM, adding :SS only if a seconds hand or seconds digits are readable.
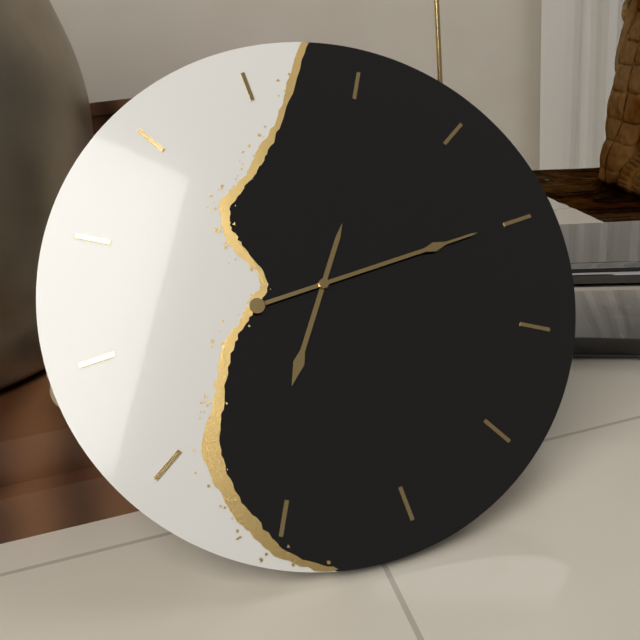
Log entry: 7:15
